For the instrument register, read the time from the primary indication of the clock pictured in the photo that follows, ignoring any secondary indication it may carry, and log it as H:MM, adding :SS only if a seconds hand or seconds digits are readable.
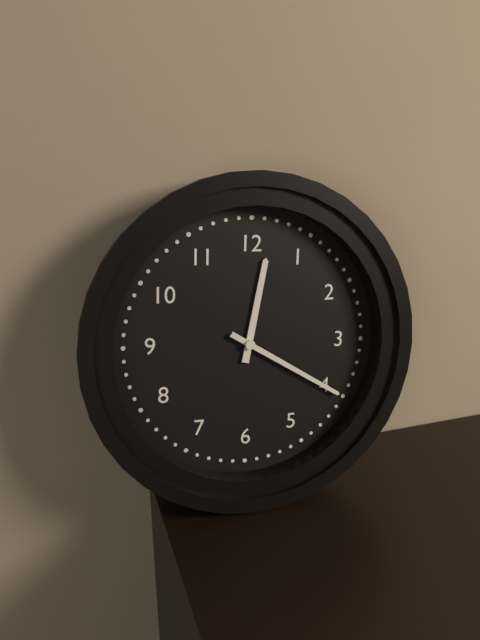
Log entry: 12:20
